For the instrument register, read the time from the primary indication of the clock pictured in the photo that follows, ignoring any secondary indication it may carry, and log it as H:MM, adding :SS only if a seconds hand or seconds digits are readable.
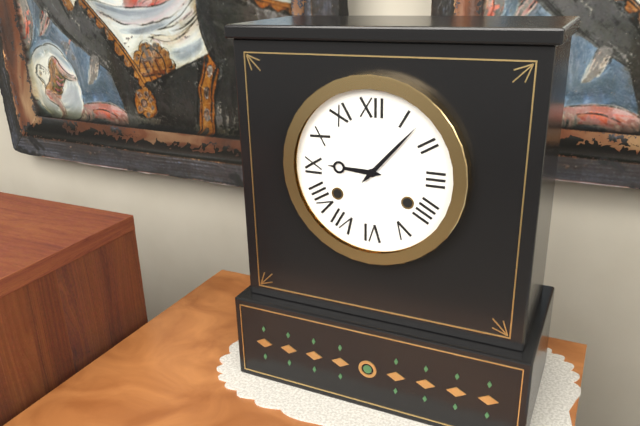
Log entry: 9:07
